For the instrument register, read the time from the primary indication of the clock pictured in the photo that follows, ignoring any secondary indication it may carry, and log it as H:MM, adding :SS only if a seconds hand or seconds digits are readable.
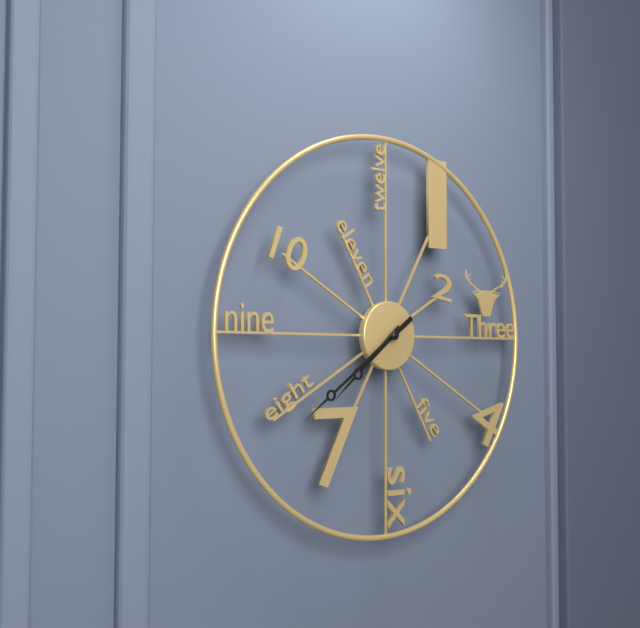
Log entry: 7:39
